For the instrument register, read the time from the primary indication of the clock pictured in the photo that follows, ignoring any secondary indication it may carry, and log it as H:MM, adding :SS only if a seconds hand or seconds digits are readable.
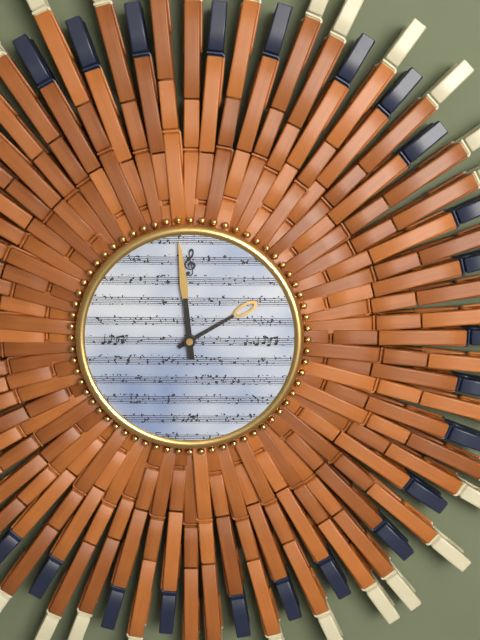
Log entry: 1:59
